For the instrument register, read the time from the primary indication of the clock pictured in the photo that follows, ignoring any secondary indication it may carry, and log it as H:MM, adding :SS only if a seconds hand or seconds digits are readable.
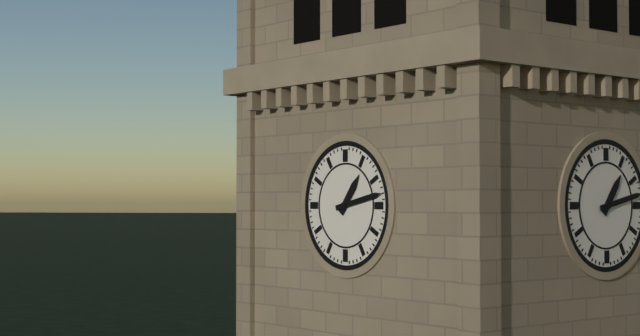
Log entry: 1:13
